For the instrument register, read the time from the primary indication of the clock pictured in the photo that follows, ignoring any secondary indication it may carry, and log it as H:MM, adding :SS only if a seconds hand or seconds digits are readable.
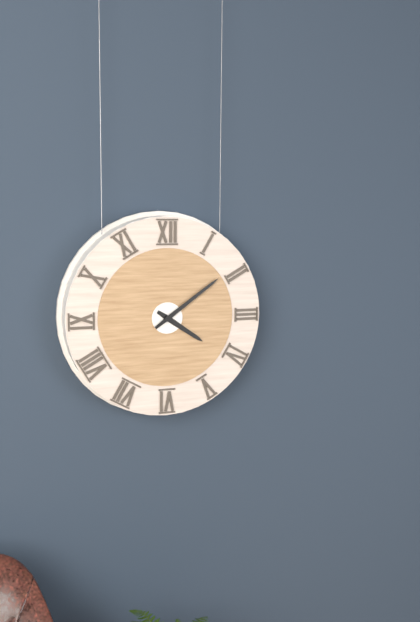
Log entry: 4:09
